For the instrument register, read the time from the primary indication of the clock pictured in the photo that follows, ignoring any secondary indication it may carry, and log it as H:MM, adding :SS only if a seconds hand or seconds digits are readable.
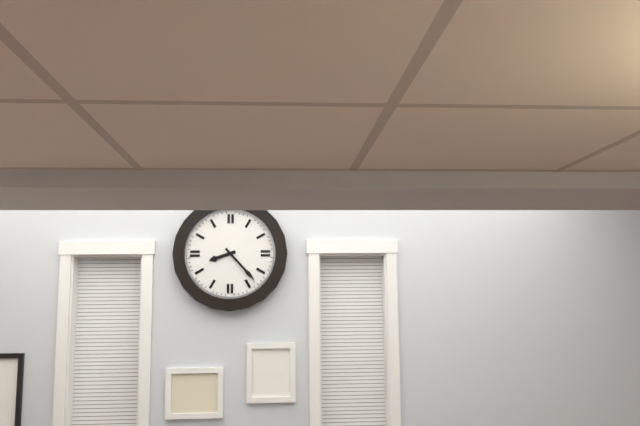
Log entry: 8:23
